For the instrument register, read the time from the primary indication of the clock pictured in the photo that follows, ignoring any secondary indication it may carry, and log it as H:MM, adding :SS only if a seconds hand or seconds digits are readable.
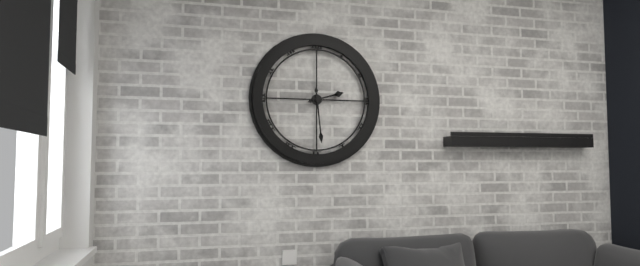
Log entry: 2:29
